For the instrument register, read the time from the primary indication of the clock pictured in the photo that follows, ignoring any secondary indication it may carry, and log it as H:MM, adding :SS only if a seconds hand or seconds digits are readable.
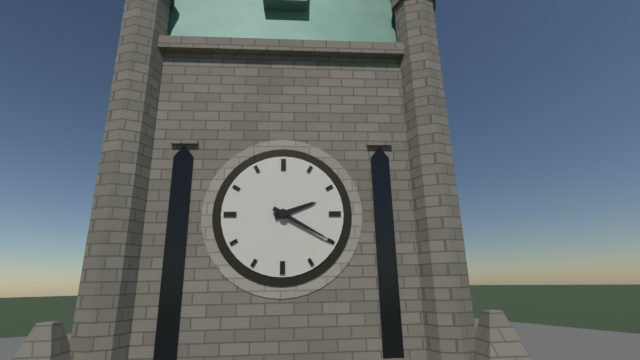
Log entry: 2:20
